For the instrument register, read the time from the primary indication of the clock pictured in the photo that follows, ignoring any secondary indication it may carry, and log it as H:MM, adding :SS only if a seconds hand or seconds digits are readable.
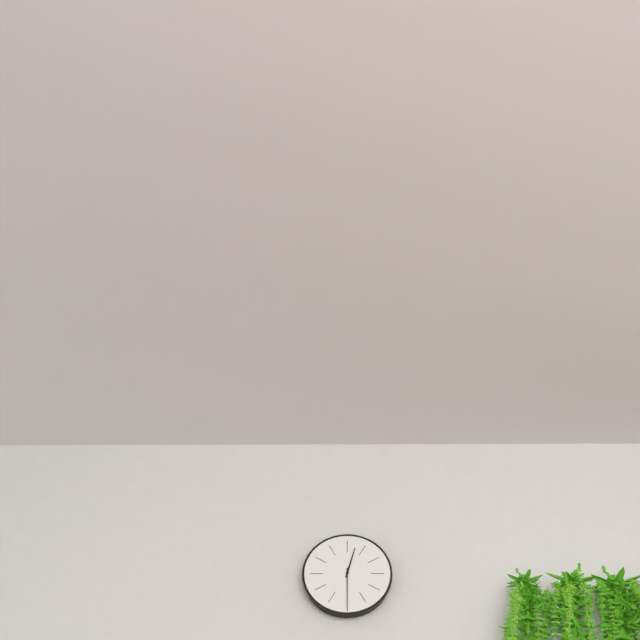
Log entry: 12:30
